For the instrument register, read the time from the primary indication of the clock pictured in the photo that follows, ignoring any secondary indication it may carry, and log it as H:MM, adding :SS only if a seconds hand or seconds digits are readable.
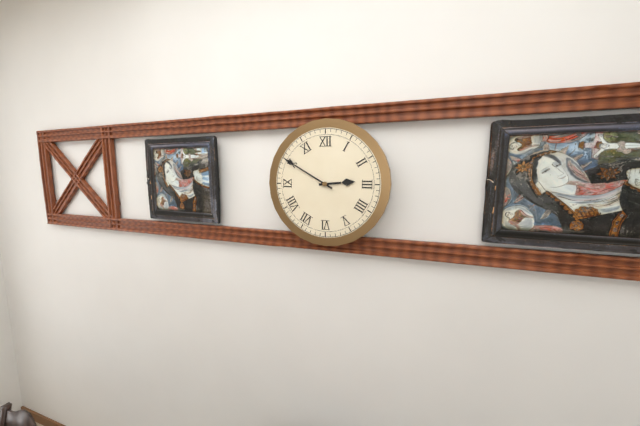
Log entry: 2:50
